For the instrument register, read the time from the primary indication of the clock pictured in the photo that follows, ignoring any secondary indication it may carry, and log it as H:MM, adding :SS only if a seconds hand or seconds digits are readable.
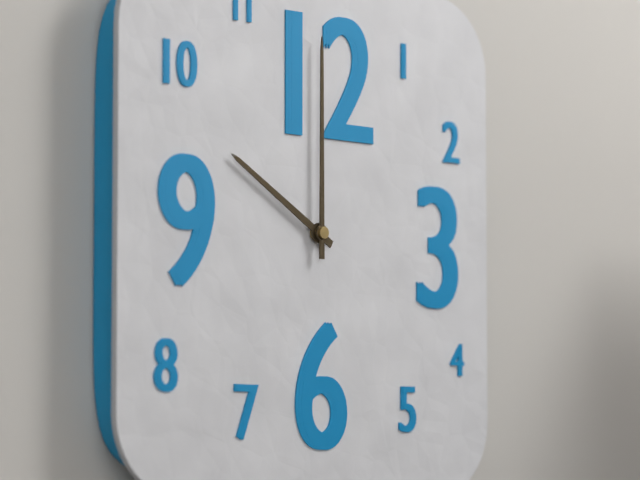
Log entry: 10:00
